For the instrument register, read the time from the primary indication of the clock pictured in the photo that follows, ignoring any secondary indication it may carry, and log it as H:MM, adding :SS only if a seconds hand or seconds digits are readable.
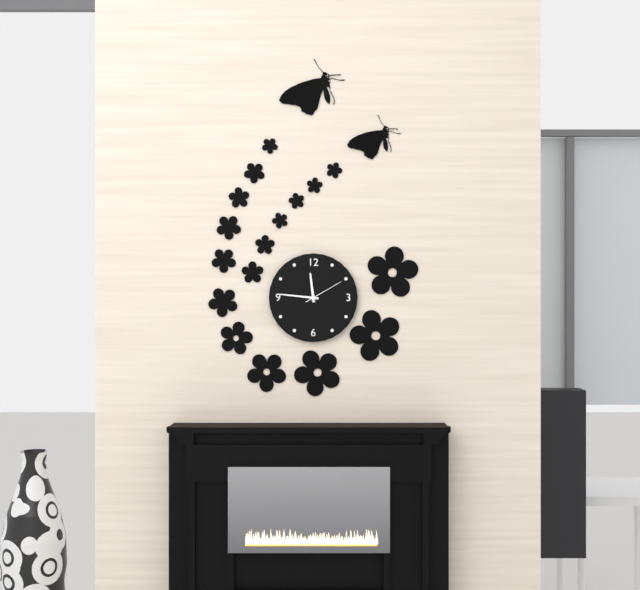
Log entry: 11:46
